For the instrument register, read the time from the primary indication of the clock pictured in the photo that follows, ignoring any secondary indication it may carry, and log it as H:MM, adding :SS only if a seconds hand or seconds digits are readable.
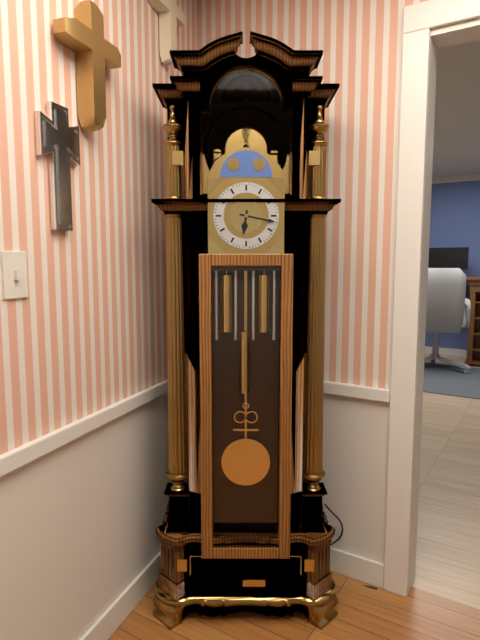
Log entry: 6:17
